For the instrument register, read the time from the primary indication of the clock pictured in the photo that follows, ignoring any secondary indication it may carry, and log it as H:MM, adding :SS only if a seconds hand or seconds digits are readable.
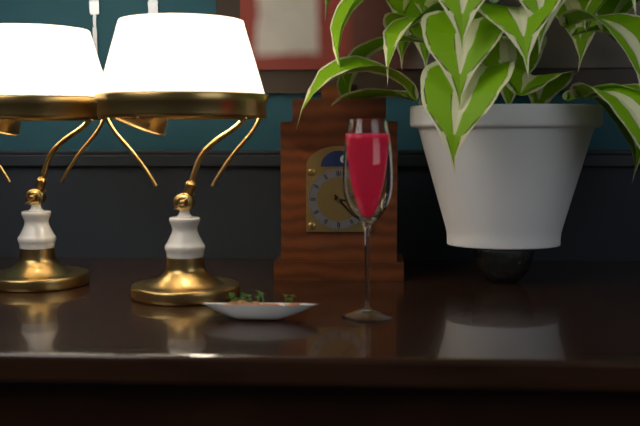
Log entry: 3:23
